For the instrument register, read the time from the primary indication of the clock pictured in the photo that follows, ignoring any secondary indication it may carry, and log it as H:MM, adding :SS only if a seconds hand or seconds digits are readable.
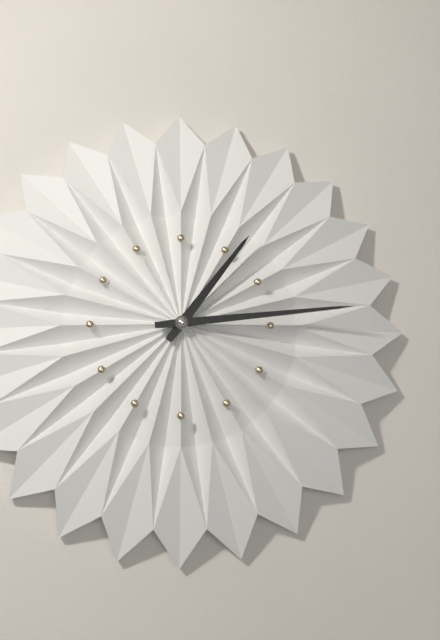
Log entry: 1:14
